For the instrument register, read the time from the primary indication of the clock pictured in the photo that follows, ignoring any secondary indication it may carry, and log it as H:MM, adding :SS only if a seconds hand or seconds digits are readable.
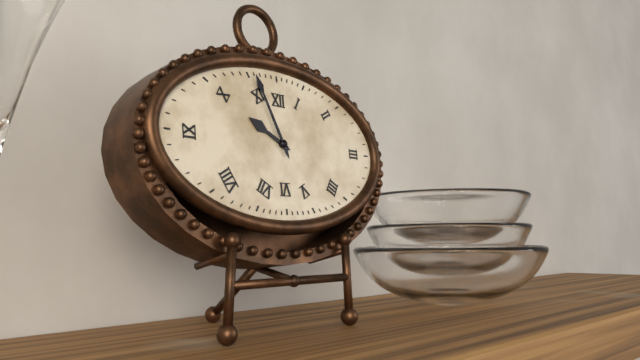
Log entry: 9:56
